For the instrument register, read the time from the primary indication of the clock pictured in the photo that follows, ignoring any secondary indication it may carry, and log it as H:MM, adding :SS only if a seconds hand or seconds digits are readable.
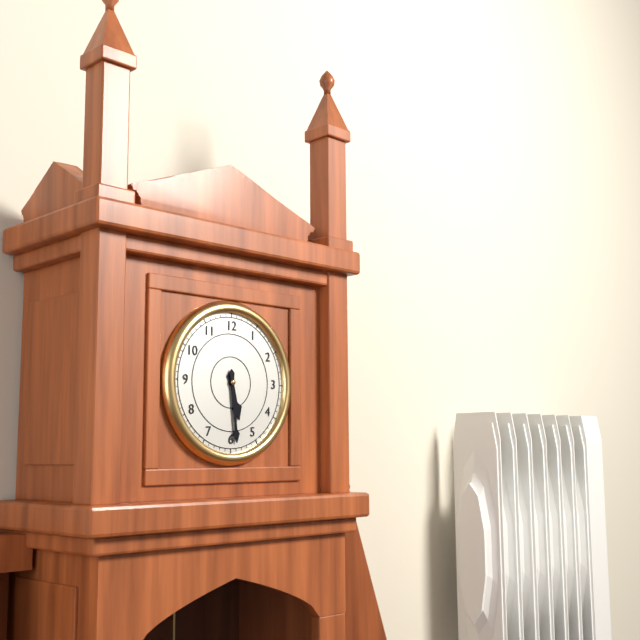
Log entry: 5:29
